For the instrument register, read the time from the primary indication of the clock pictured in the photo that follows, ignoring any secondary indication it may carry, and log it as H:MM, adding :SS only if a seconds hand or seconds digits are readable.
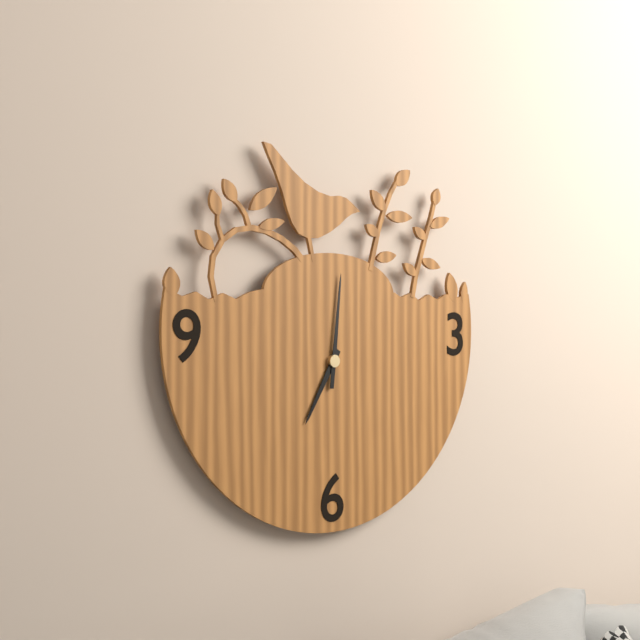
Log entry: 7:01
